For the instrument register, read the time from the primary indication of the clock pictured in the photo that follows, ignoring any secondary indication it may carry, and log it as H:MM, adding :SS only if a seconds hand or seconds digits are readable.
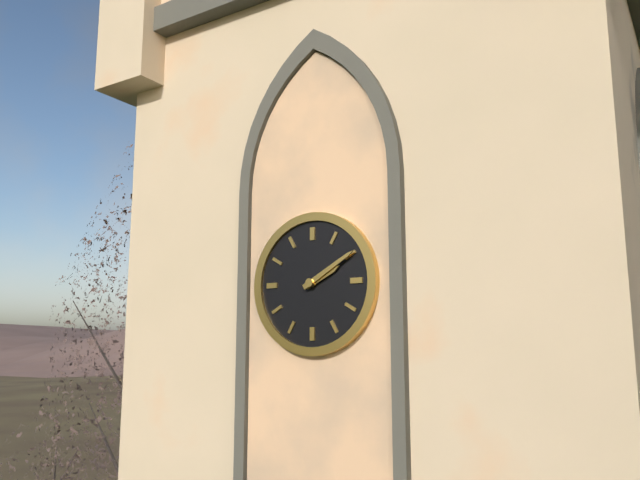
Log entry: 2:10
